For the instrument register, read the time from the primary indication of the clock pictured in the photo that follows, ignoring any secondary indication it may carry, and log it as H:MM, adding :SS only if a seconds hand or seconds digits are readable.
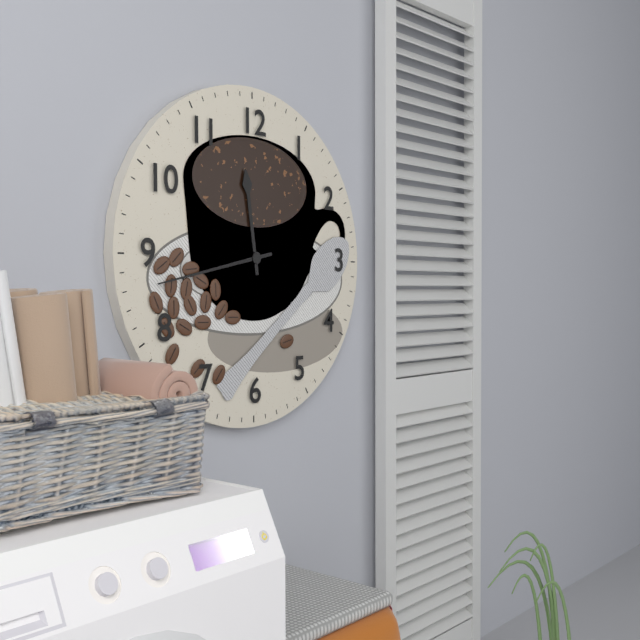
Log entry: 11:43
